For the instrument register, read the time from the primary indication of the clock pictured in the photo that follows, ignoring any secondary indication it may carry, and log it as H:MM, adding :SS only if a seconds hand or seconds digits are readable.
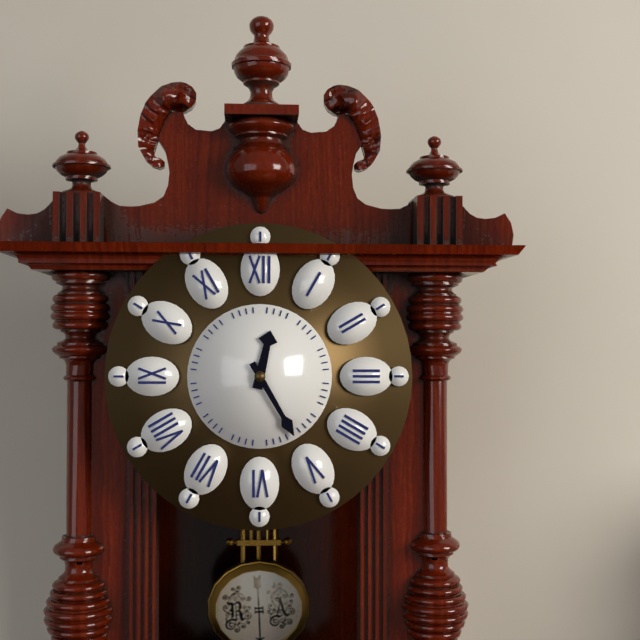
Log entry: 12:25
